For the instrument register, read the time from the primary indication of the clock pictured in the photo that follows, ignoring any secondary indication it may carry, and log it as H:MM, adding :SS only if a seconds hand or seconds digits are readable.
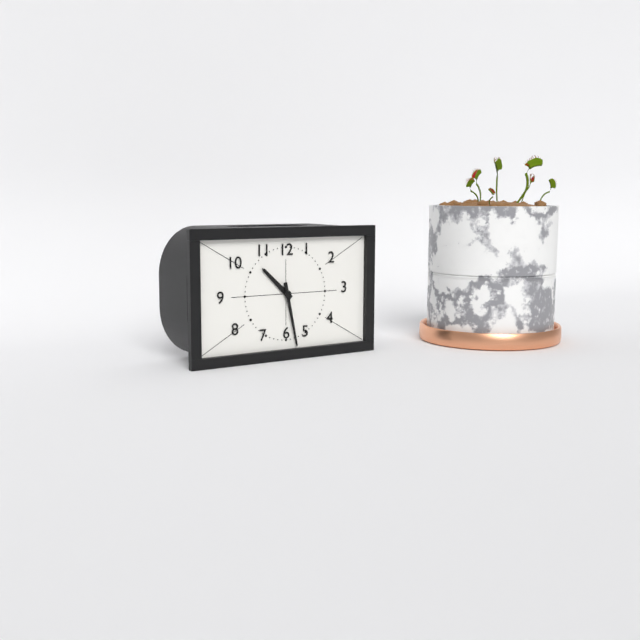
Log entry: 10:28
